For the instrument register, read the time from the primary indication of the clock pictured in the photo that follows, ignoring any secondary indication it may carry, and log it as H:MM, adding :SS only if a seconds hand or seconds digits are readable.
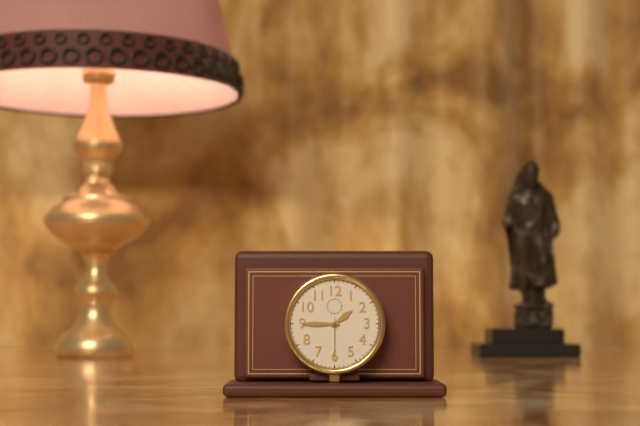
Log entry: 1:45
